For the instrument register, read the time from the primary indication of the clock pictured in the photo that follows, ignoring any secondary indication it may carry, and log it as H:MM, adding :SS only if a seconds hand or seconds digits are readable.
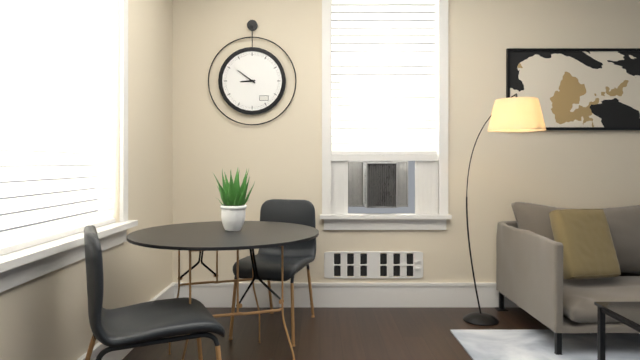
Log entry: 8:51
